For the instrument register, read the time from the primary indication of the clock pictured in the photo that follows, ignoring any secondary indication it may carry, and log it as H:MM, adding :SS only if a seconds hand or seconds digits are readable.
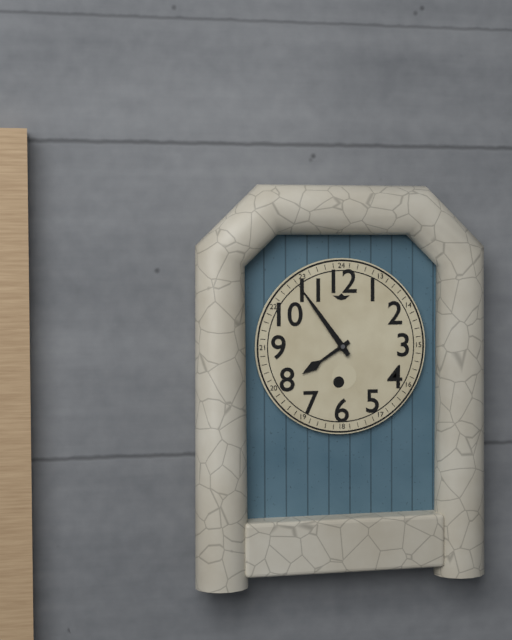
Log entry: 7:54
